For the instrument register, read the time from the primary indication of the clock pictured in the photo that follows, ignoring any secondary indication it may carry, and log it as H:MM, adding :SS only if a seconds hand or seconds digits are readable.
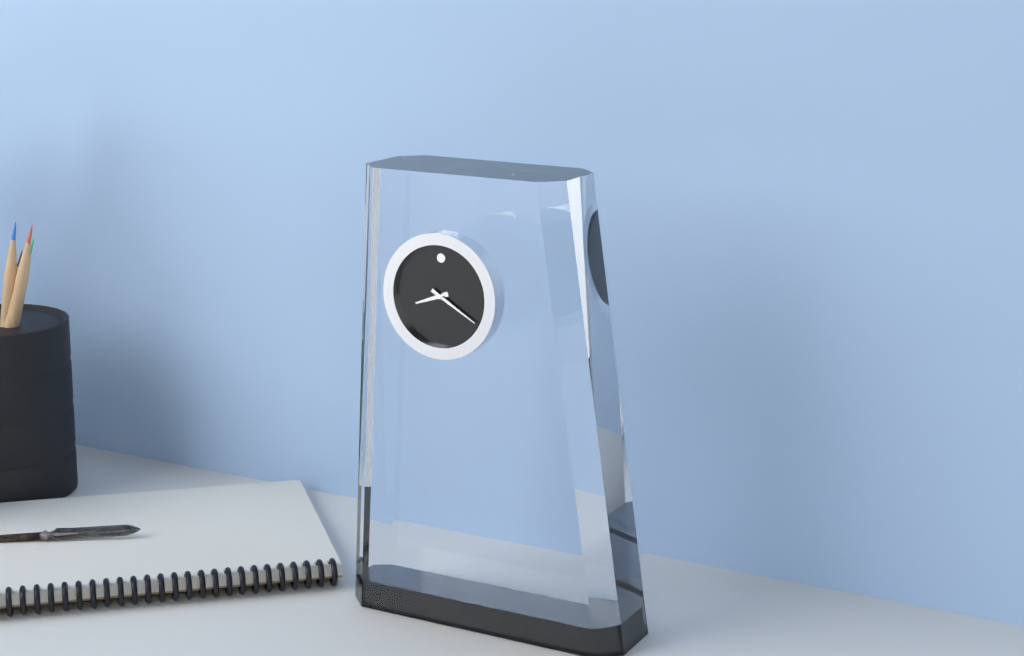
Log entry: 8:20
